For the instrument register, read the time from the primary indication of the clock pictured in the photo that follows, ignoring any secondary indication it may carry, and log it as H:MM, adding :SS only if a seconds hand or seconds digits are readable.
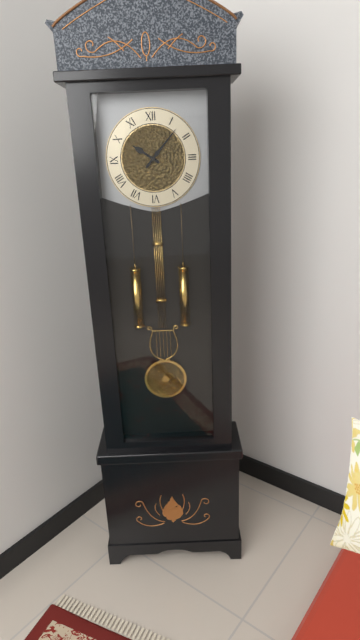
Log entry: 10:07
